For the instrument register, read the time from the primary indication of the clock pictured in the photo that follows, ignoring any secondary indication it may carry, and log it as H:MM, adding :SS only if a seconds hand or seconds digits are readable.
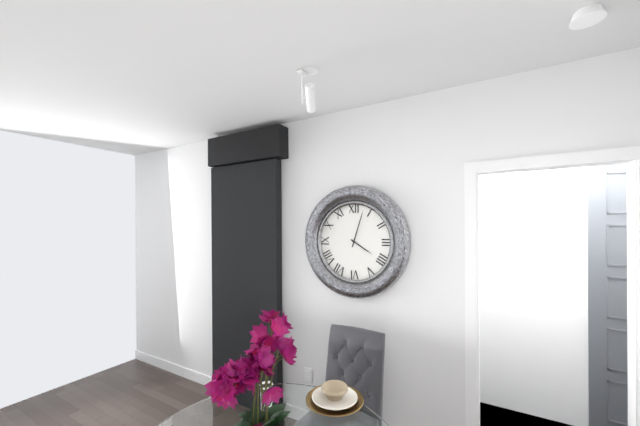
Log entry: 4:03
